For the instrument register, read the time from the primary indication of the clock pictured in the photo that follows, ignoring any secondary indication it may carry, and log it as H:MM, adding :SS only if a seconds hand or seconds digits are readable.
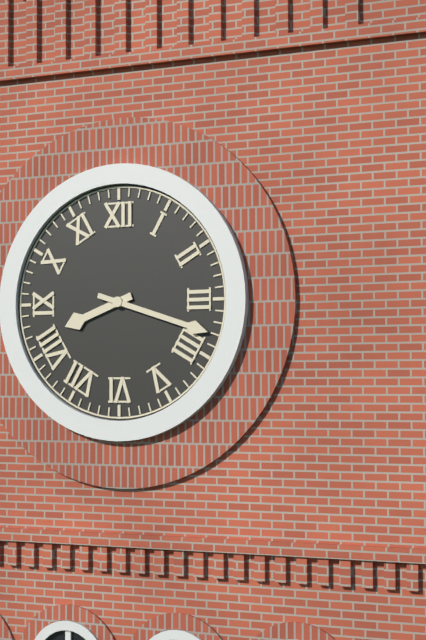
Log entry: 8:18
